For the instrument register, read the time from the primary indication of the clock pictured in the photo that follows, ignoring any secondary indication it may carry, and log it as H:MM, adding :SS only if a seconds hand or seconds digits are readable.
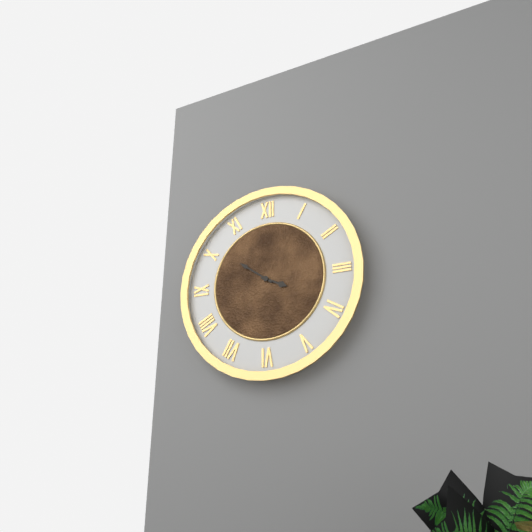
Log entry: 3:51
